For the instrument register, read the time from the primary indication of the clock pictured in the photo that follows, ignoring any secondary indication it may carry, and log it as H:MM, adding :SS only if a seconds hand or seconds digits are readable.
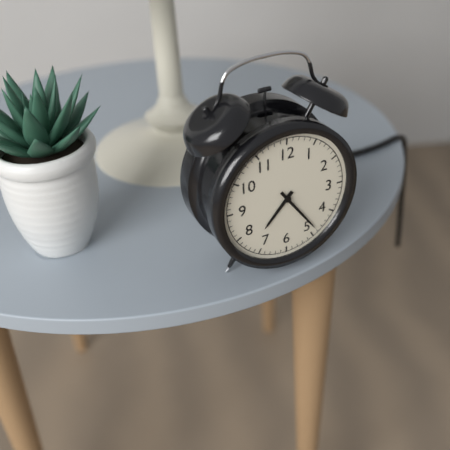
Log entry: 7:24
